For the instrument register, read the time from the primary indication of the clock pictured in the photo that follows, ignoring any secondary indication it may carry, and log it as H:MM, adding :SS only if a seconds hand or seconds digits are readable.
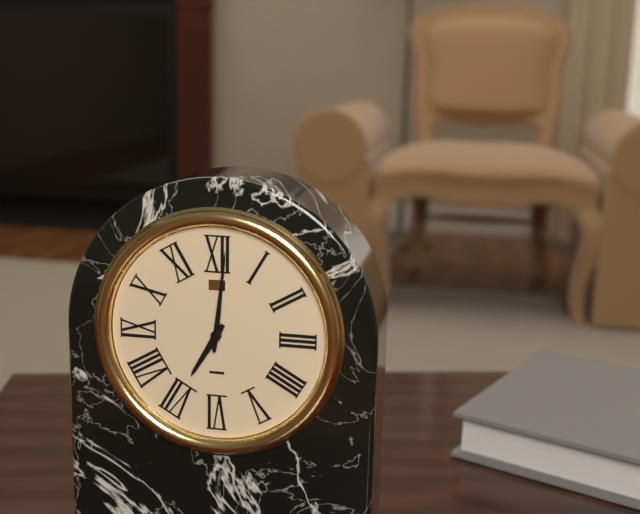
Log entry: 7:01
